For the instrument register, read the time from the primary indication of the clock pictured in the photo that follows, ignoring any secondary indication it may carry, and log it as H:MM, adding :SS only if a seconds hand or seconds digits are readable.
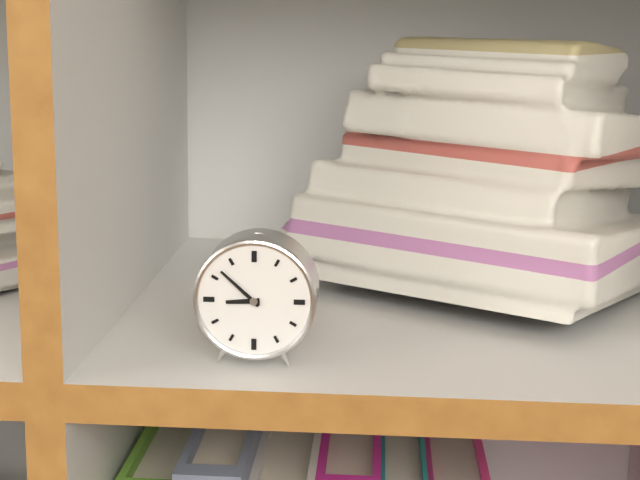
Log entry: 8:52
